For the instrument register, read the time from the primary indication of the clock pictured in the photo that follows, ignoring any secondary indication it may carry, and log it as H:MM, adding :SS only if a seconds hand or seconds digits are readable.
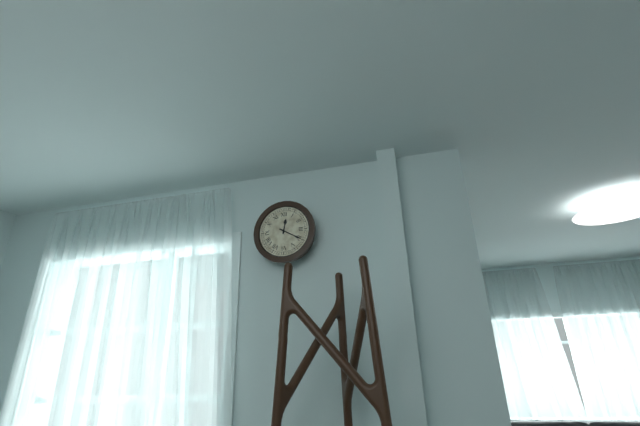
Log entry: 12:20
